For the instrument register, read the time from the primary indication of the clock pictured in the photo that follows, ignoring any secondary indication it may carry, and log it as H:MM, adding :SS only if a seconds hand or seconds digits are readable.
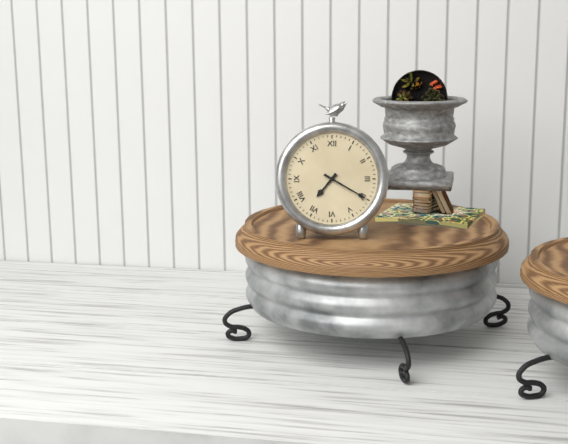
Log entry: 7:20
